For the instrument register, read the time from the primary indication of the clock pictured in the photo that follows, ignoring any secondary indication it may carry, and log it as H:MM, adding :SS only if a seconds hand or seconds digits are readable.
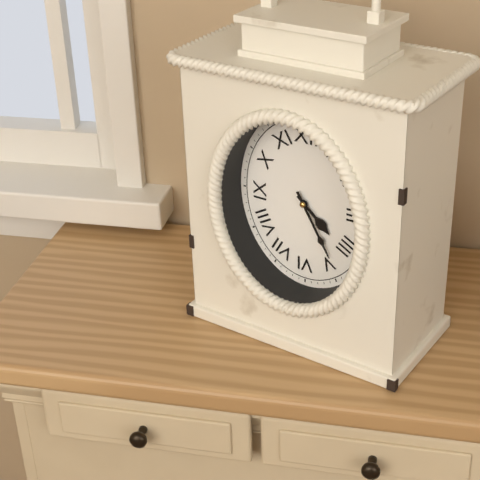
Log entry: 4:25
